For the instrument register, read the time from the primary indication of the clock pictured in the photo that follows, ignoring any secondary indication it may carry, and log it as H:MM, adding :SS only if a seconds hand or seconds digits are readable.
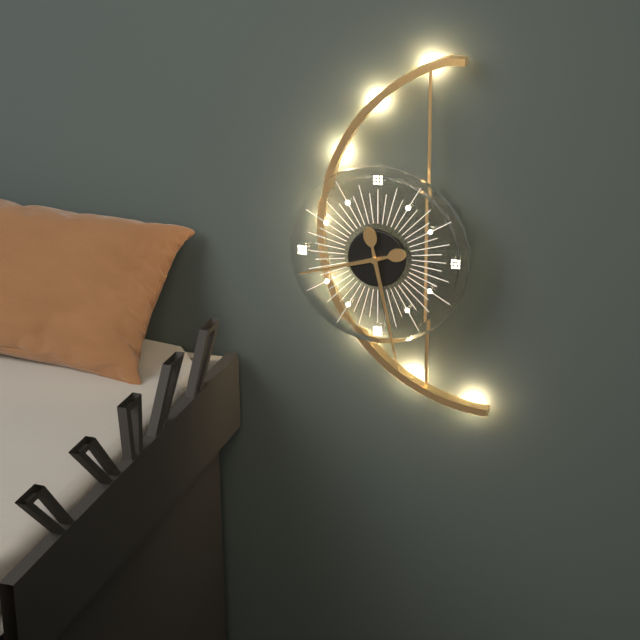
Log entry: 8:28
